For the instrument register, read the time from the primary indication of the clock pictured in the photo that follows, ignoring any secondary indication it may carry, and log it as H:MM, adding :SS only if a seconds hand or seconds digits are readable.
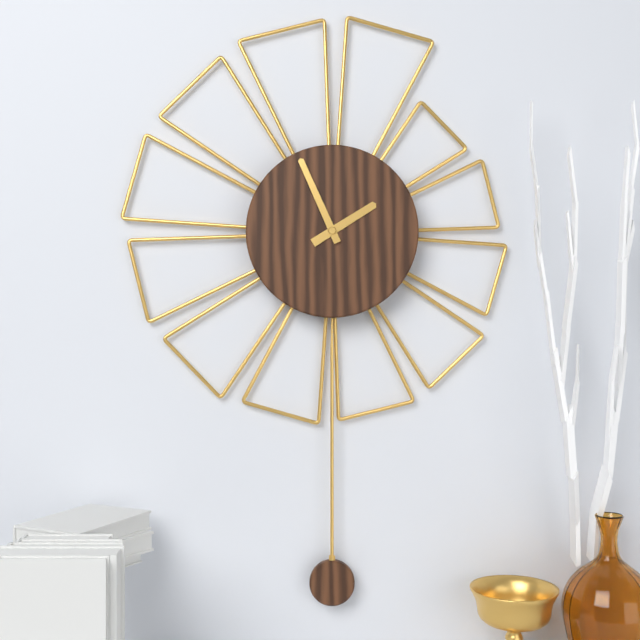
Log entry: 1:56
